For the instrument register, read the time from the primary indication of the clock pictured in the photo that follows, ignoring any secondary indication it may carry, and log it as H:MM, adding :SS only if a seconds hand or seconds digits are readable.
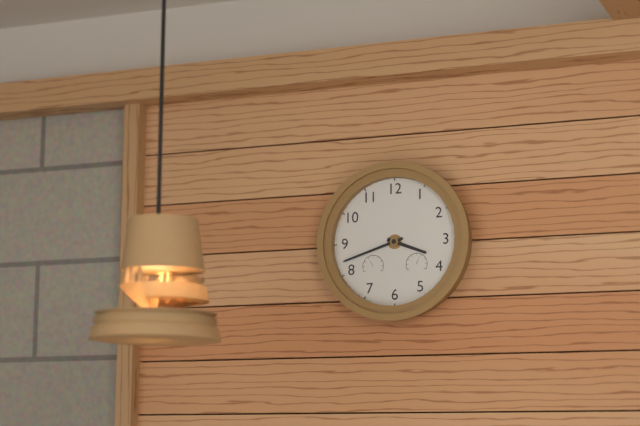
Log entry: 3:42
